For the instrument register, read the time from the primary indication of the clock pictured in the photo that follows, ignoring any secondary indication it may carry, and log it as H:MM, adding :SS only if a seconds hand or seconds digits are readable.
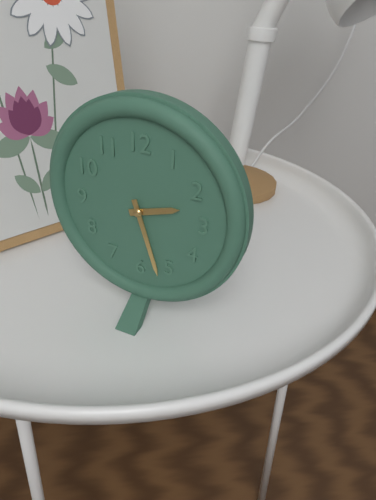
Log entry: 2:27
